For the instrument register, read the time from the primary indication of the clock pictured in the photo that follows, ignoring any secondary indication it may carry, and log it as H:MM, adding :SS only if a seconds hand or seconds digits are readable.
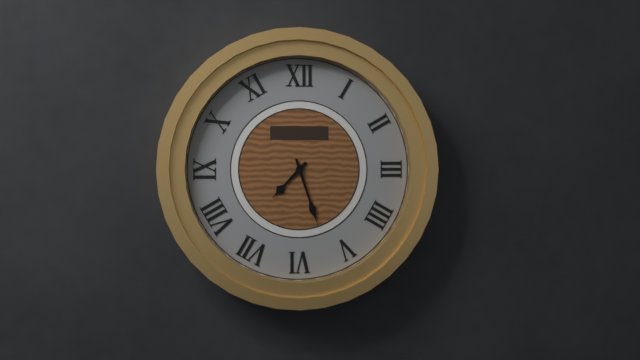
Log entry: 7:27
